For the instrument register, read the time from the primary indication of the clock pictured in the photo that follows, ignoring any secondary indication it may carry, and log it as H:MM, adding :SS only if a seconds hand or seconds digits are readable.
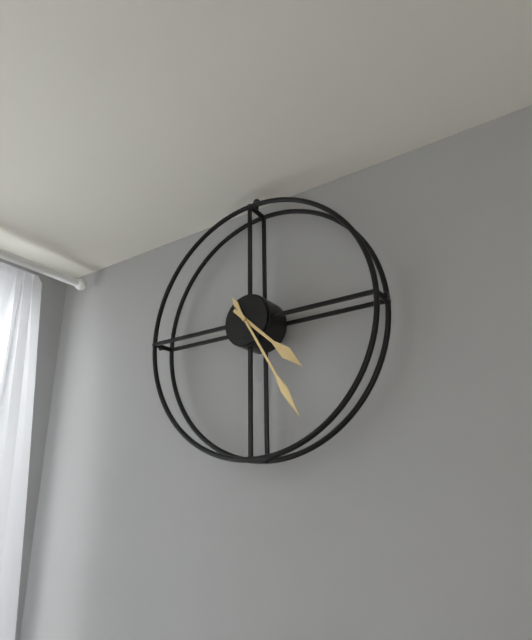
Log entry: 4:25
